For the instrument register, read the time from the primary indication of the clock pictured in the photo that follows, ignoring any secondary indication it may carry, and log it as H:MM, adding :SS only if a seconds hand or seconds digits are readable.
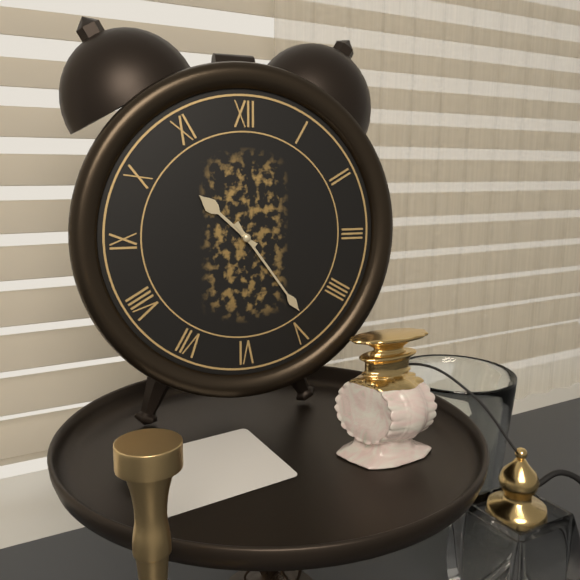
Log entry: 10:24
